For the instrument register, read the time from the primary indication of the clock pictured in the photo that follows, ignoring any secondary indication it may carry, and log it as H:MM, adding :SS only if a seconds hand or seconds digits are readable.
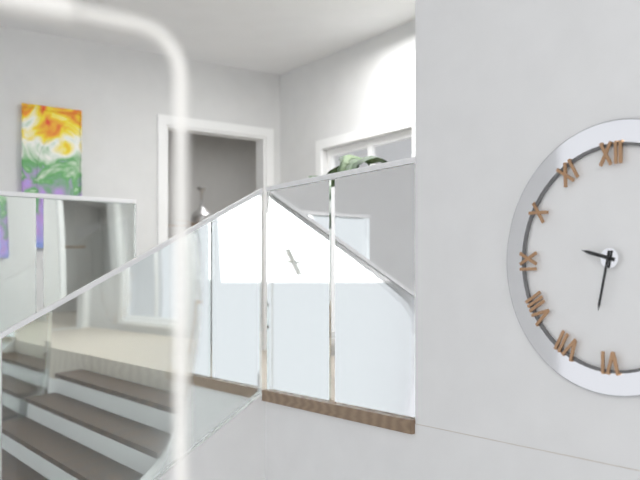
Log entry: 9:32
